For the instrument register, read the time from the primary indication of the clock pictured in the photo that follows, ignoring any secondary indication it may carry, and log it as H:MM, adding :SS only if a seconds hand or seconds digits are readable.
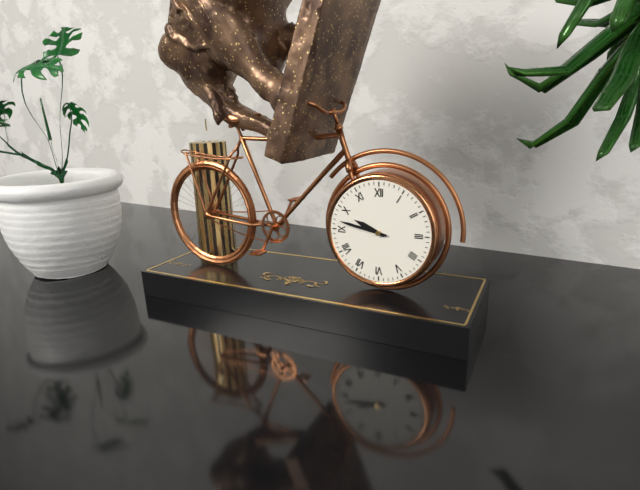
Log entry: 9:47
